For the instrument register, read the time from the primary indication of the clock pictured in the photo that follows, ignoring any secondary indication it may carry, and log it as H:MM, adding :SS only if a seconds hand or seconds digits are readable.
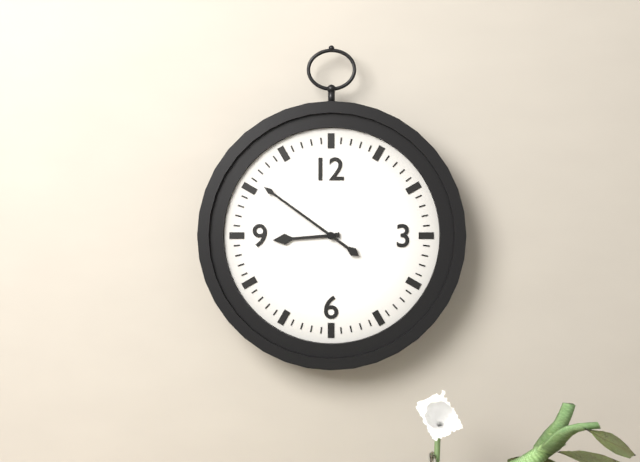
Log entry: 8:51
